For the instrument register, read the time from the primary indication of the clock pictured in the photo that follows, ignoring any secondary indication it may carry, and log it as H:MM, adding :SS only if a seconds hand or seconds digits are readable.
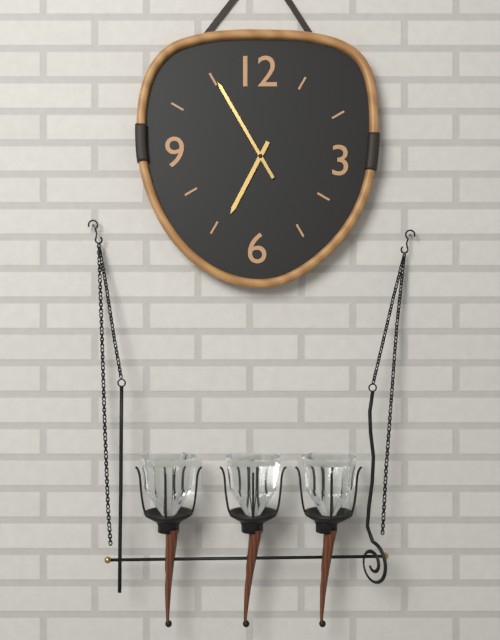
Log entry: 6:55
